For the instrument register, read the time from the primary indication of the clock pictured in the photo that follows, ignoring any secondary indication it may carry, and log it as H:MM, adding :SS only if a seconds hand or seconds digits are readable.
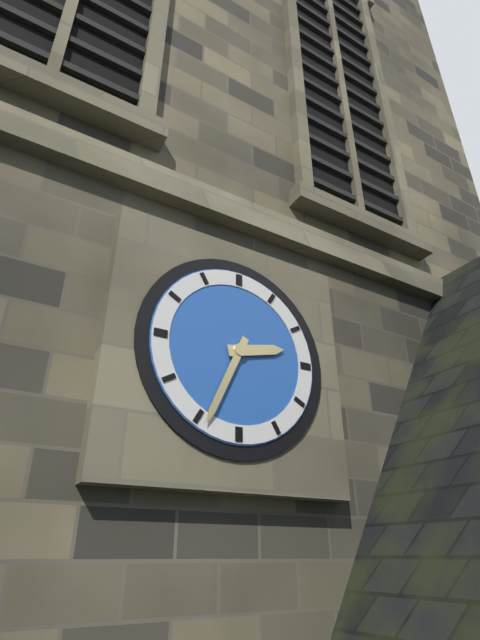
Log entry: 2:34
